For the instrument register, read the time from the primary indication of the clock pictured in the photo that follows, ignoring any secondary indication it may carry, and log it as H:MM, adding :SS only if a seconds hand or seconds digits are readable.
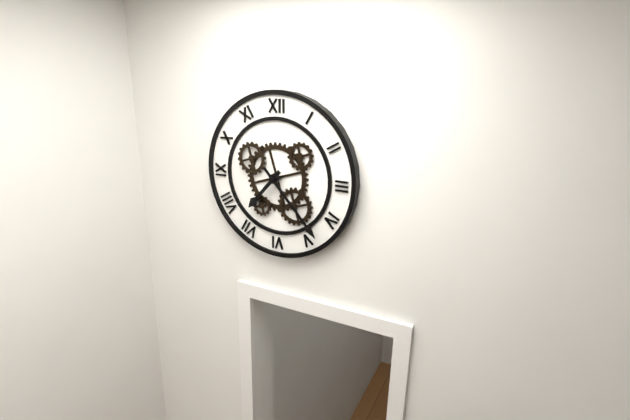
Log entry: 7:23
